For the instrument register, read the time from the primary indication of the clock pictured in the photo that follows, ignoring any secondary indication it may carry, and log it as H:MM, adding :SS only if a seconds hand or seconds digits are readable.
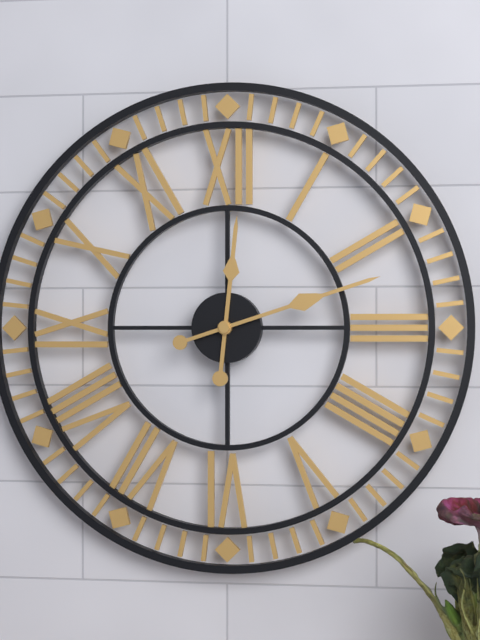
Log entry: 12:12
